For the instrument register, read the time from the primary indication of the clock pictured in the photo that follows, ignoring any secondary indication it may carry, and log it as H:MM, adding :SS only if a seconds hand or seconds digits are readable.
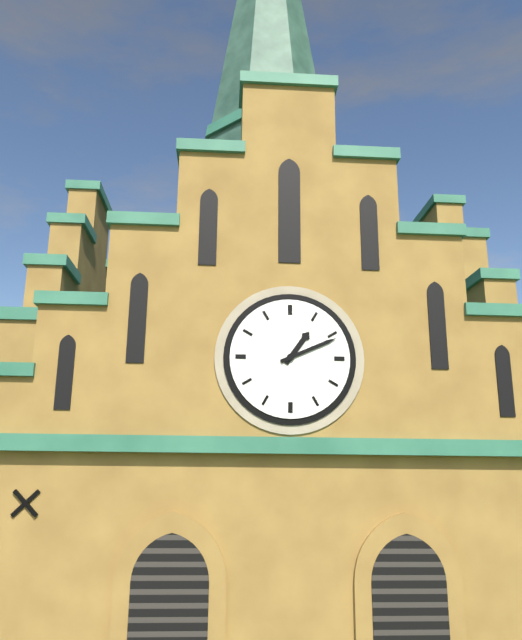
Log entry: 1:11
